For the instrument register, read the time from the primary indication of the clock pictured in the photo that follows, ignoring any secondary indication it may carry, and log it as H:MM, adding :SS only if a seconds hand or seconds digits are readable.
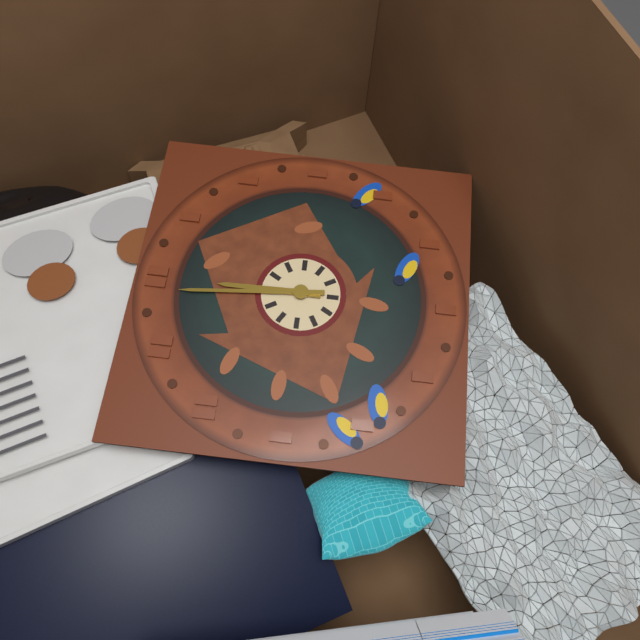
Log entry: 11:59
